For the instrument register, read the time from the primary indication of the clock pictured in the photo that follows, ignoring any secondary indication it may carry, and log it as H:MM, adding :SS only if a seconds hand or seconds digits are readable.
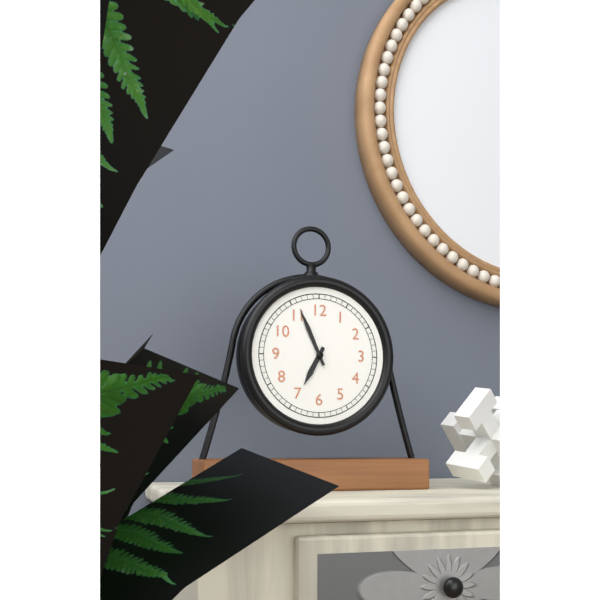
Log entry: 6:56
